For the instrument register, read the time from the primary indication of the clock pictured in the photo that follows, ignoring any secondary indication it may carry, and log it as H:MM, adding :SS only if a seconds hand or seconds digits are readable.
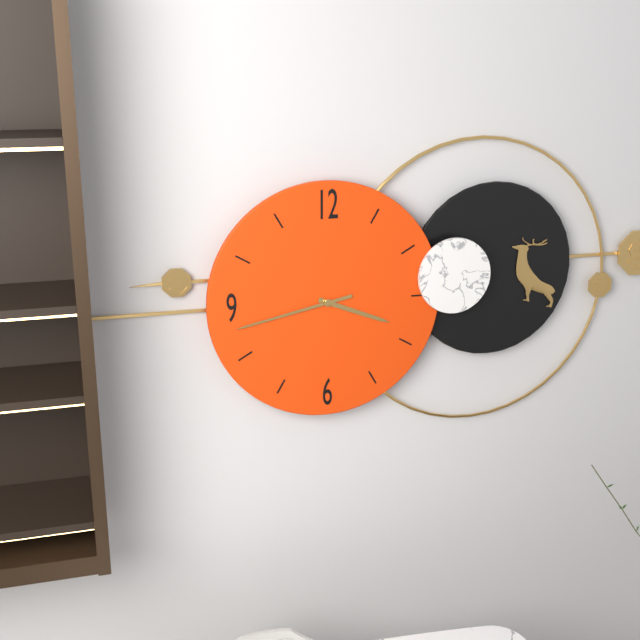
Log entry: 3:43
